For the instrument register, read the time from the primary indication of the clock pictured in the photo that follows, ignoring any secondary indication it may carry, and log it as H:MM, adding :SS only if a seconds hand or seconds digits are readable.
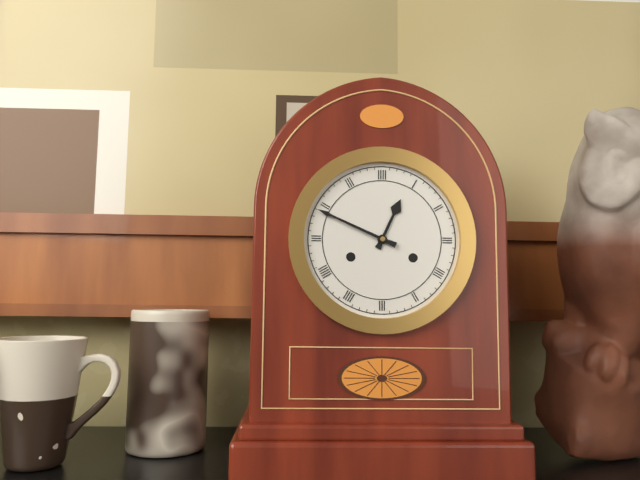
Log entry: 12:49
